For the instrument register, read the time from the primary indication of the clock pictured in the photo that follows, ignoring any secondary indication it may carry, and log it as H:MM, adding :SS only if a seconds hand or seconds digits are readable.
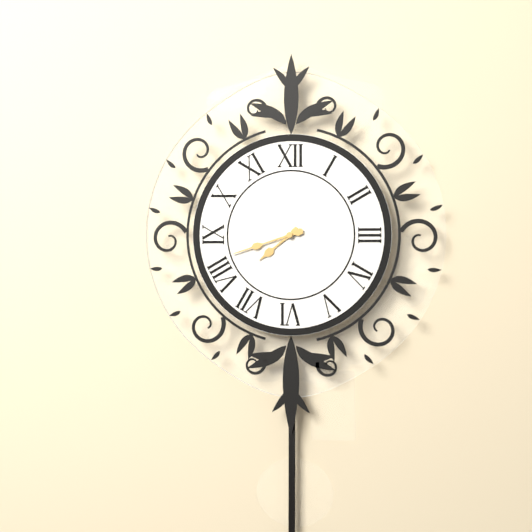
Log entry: 7:42
